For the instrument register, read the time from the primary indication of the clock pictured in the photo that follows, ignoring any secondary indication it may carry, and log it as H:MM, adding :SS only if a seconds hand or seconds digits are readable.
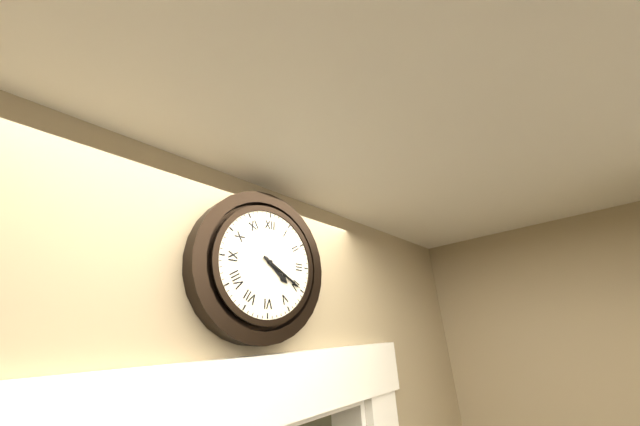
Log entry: 4:20
